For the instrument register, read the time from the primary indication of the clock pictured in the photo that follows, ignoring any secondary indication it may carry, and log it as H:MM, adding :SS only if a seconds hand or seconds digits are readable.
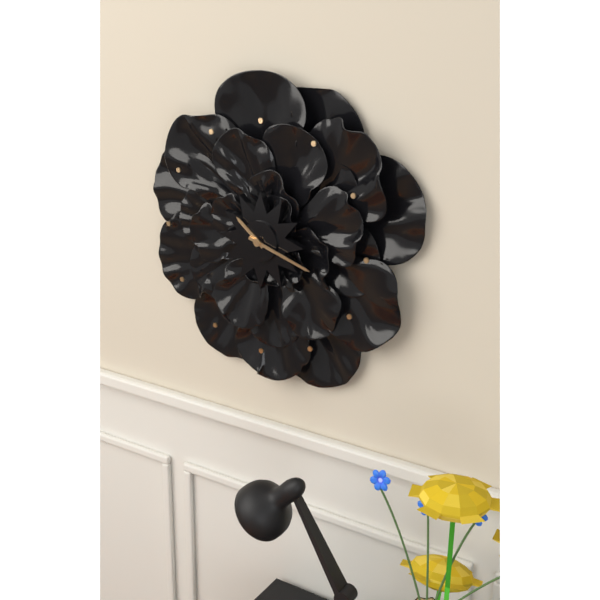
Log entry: 10:18
